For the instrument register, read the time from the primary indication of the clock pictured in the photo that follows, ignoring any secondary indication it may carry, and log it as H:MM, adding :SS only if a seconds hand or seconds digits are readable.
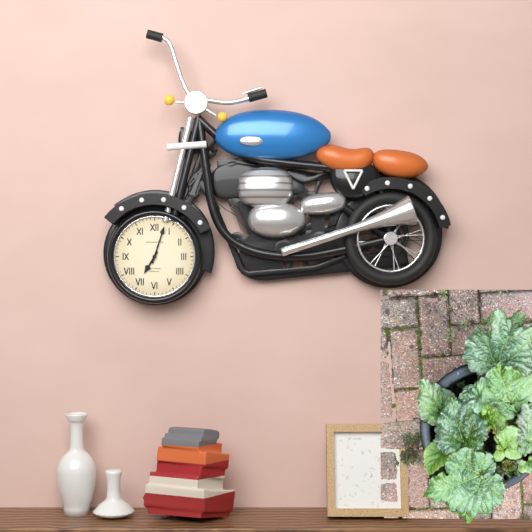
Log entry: 7:03
